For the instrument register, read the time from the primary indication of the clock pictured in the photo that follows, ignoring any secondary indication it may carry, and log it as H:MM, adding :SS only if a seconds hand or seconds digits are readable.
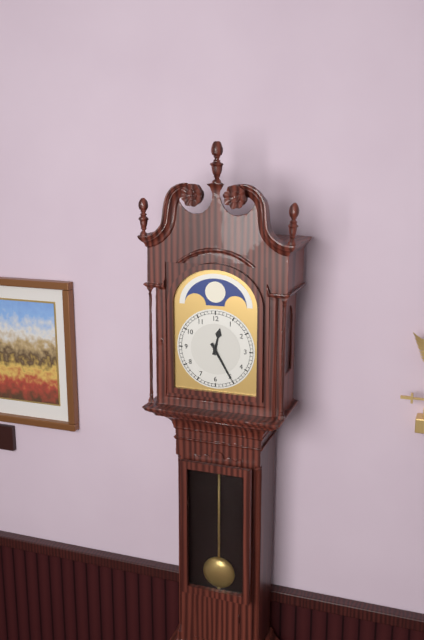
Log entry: 12:25
